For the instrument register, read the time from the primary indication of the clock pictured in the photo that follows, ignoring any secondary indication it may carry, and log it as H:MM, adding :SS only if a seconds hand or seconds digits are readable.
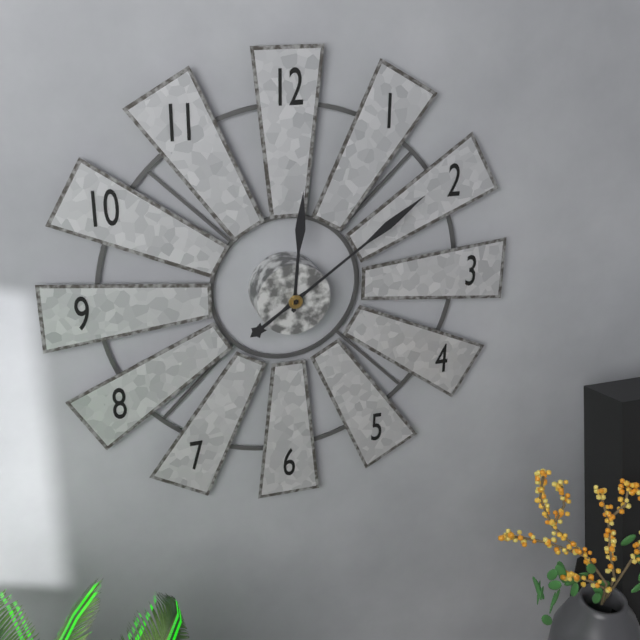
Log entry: 12:09
